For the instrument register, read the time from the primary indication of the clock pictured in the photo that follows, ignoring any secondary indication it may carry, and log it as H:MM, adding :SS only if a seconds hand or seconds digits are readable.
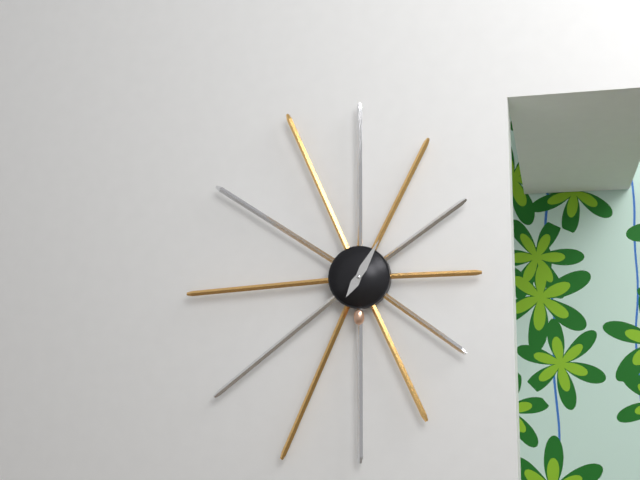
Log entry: 7:05
